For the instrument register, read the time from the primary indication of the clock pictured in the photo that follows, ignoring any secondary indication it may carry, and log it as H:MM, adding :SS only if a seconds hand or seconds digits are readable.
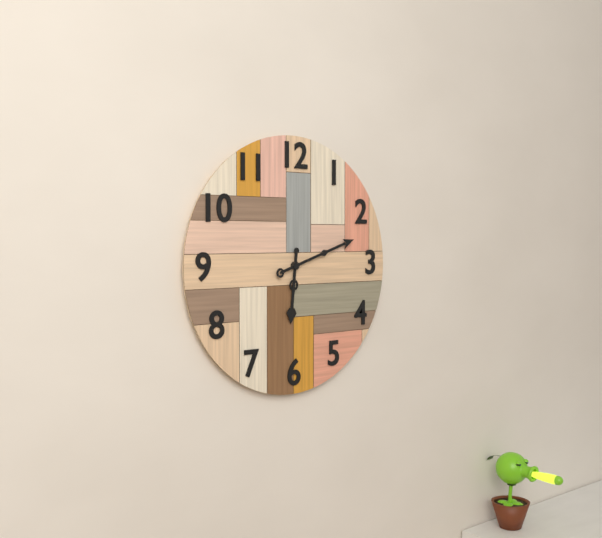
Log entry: 6:12
